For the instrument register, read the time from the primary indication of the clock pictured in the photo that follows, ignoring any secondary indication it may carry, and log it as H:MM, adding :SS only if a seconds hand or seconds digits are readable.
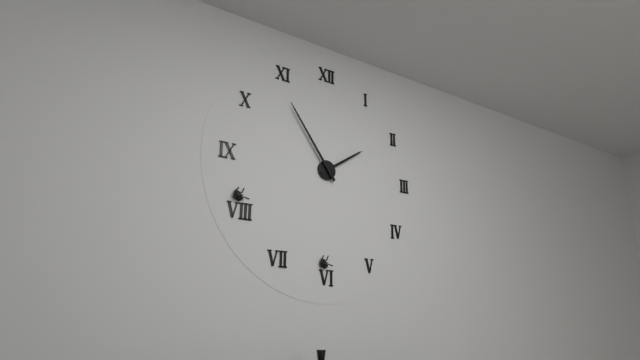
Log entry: 1:54
